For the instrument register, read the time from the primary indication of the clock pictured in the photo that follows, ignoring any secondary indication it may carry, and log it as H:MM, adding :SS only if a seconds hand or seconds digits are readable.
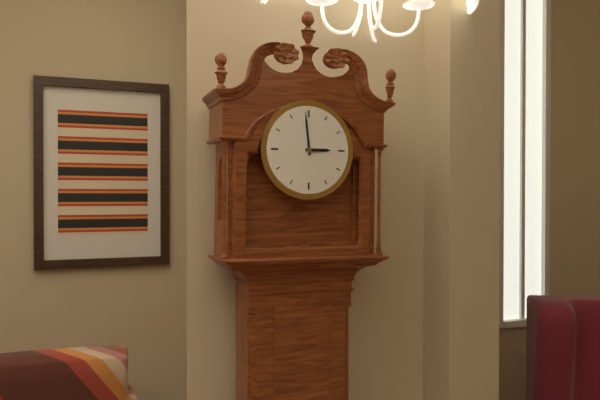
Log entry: 2:59
